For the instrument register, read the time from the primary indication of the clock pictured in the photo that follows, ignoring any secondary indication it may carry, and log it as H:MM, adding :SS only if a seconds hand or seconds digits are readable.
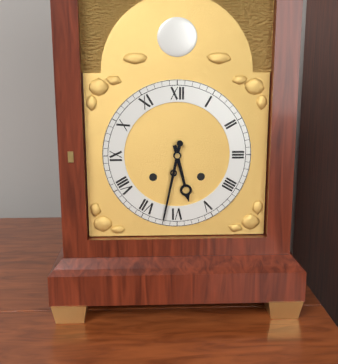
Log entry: 5:32
